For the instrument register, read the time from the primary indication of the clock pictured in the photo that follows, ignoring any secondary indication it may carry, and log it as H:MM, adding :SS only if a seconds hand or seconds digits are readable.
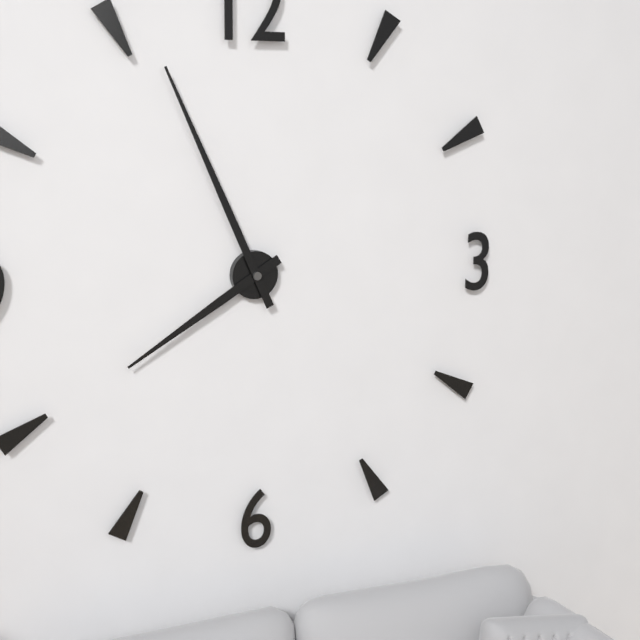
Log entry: 7:56
